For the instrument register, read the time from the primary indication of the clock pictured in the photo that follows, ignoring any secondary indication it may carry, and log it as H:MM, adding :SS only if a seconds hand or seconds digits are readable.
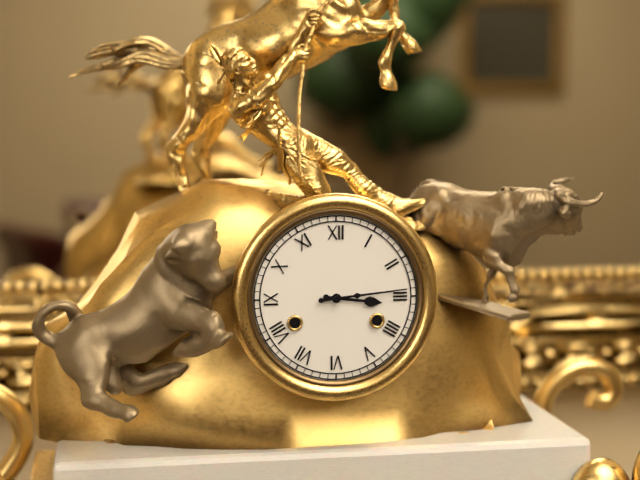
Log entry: 3:14
